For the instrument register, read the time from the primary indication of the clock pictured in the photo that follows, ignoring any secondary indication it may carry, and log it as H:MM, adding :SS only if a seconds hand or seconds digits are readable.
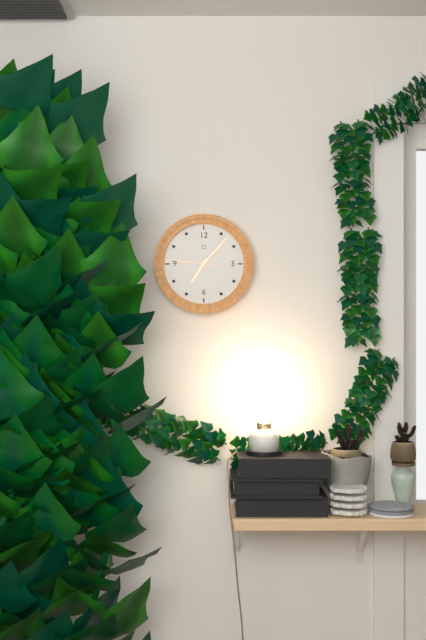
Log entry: 7:07
